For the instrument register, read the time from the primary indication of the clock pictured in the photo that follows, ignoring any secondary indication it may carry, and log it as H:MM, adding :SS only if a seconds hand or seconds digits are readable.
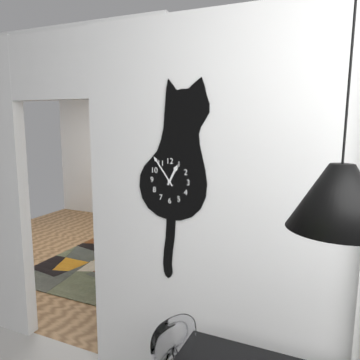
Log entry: 12:54
